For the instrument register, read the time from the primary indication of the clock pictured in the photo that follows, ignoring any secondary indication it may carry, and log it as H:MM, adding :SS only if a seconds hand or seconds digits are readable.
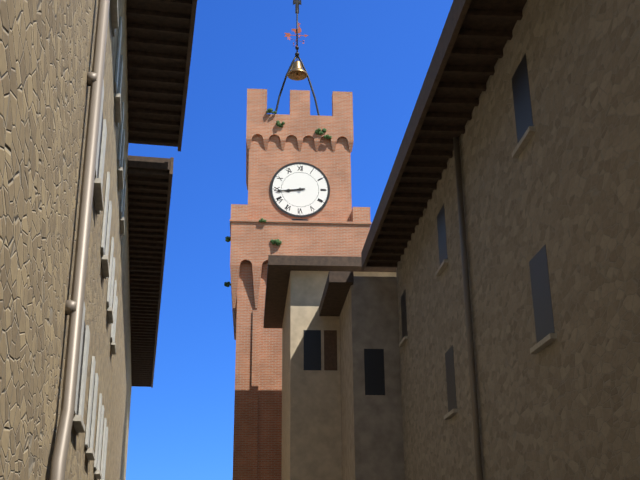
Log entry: 8:44
